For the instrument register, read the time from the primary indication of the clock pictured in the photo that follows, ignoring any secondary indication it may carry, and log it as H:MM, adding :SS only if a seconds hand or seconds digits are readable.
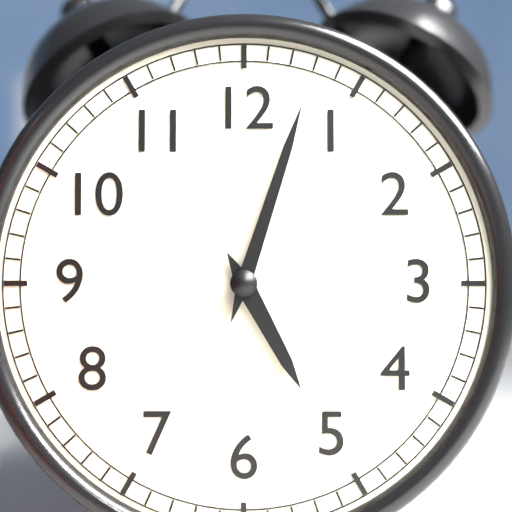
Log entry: 5:03
